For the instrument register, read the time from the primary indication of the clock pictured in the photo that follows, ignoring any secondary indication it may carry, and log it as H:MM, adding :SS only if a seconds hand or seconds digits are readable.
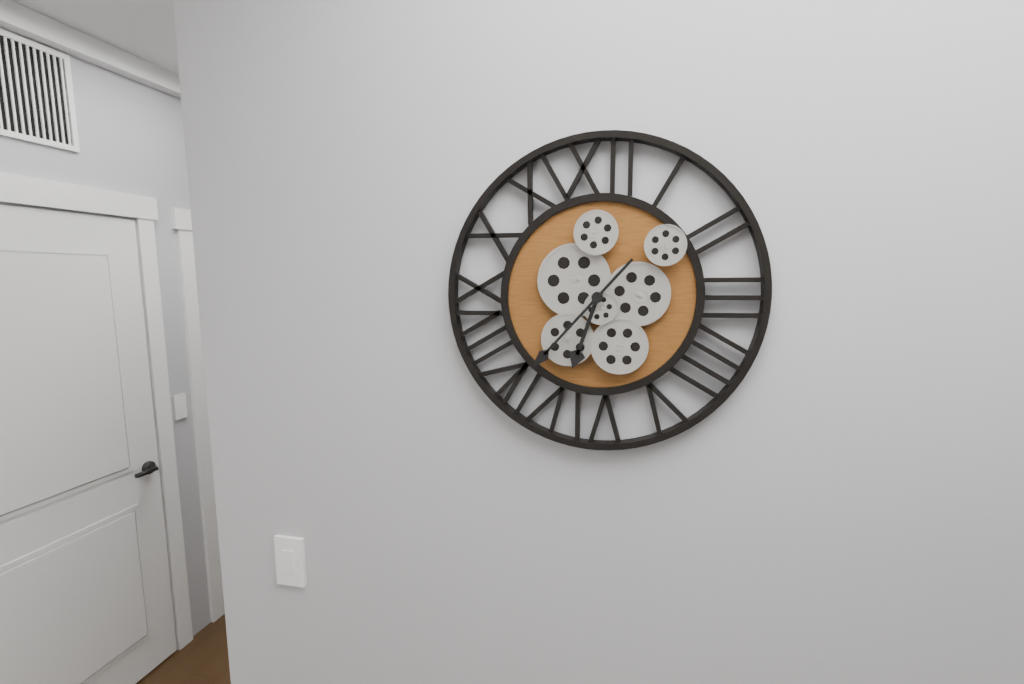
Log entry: 6:37
